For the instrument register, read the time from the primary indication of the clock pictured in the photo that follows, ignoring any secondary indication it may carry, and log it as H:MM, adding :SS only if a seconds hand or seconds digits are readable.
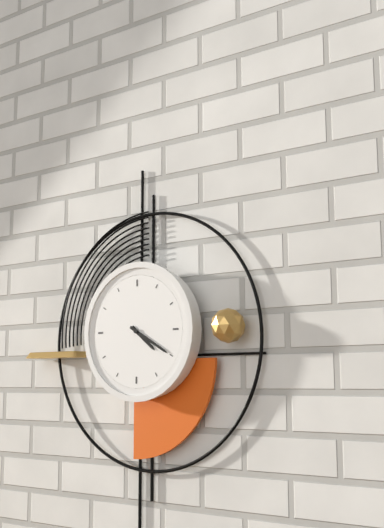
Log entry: 4:20
